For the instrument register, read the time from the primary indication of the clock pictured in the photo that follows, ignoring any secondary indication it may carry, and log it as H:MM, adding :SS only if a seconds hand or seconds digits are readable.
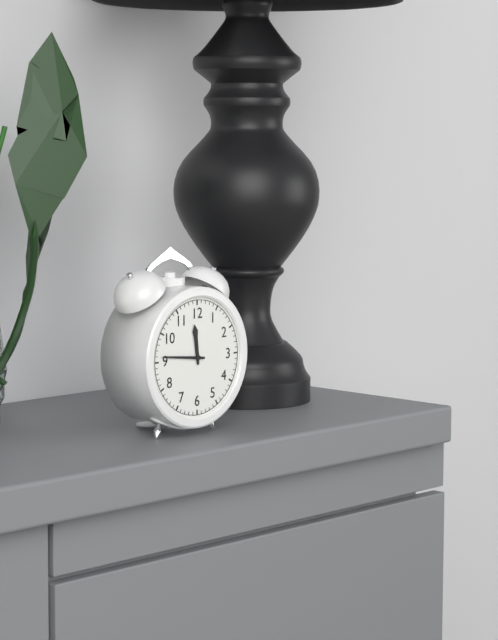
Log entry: 11:46
